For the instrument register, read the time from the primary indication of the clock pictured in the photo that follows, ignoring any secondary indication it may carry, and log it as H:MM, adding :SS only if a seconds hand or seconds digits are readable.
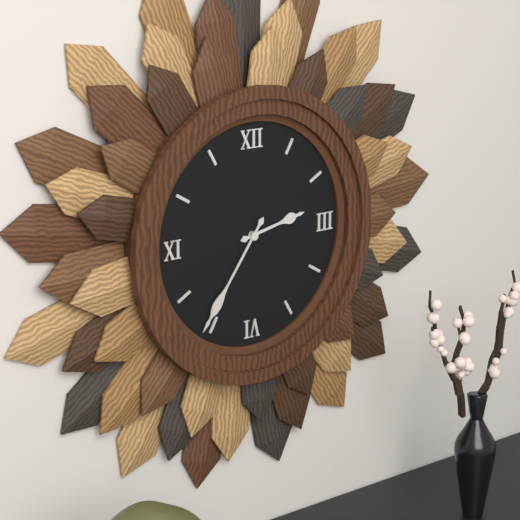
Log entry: 2:36
